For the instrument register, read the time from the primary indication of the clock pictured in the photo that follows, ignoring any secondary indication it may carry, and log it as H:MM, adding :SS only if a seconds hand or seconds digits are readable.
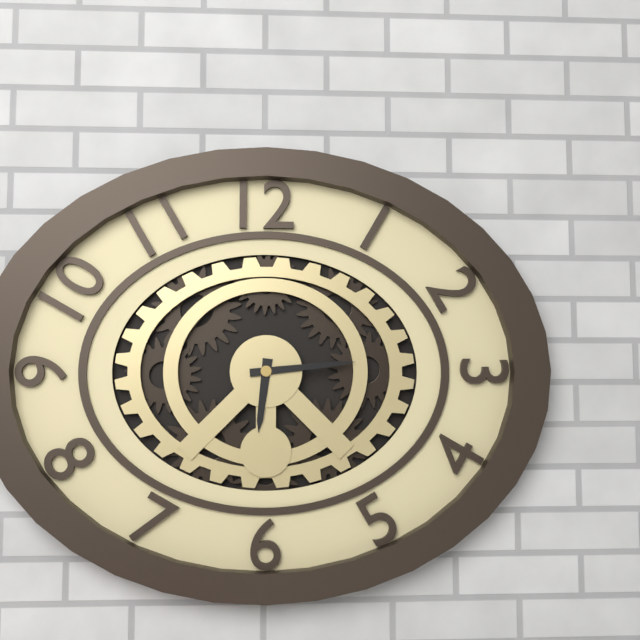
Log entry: 6:14
